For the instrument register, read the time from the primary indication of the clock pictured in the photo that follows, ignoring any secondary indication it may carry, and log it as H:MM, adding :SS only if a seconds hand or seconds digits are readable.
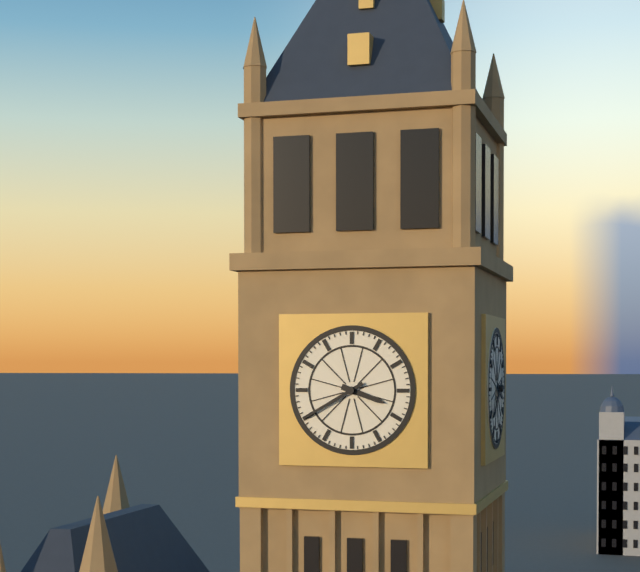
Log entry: 3:40
